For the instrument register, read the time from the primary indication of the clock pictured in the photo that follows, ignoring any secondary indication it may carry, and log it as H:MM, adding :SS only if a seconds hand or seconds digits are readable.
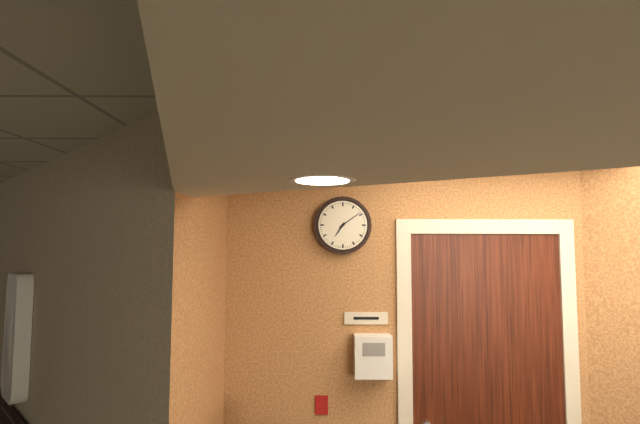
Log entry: 7:09
